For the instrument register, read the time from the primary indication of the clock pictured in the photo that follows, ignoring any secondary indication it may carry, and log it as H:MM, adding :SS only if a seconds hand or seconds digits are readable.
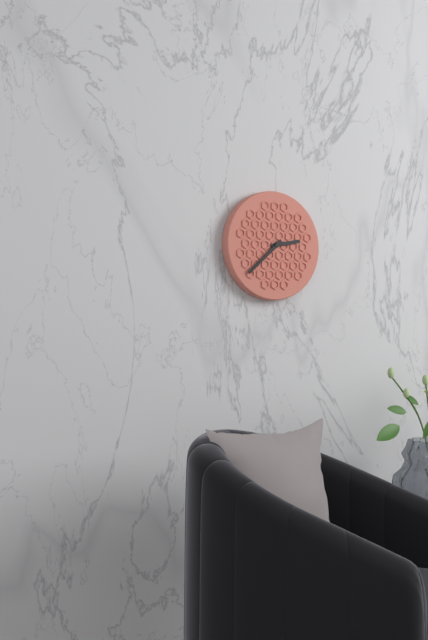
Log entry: 2:38
